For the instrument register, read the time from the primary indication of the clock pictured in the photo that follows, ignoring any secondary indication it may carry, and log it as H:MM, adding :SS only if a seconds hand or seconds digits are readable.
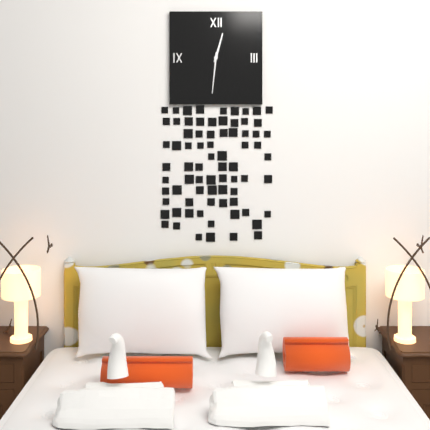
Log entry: 12:31
